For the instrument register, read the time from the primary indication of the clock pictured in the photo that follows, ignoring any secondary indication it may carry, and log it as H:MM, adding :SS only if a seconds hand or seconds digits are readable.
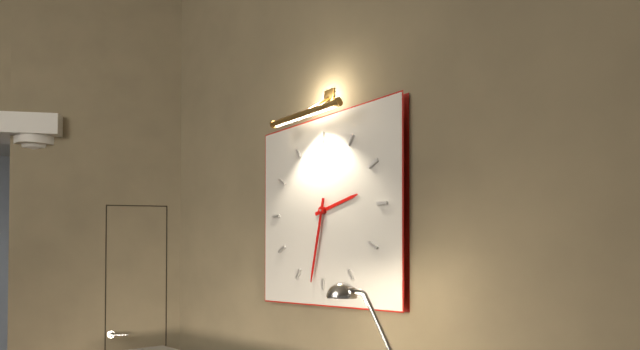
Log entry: 2:32
